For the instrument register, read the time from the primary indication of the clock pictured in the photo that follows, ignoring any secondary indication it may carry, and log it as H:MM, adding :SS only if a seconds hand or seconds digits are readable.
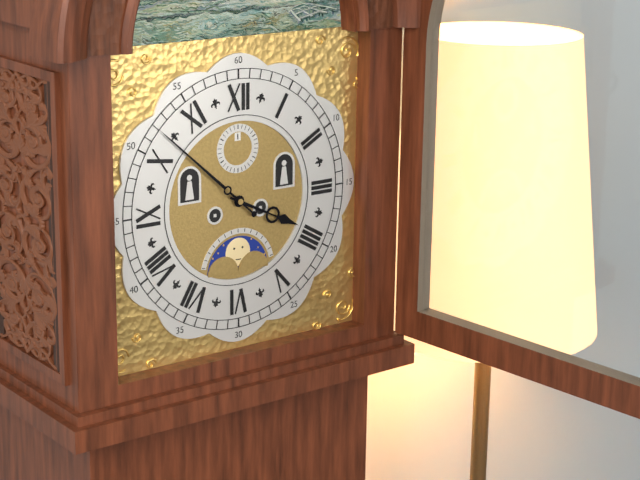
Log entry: 3:52
